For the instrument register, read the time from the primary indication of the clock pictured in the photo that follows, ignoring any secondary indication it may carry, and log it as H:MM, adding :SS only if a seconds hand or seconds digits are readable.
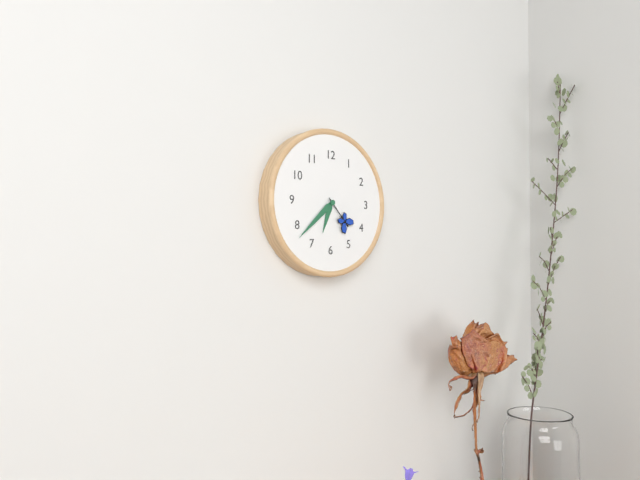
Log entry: 6:38
